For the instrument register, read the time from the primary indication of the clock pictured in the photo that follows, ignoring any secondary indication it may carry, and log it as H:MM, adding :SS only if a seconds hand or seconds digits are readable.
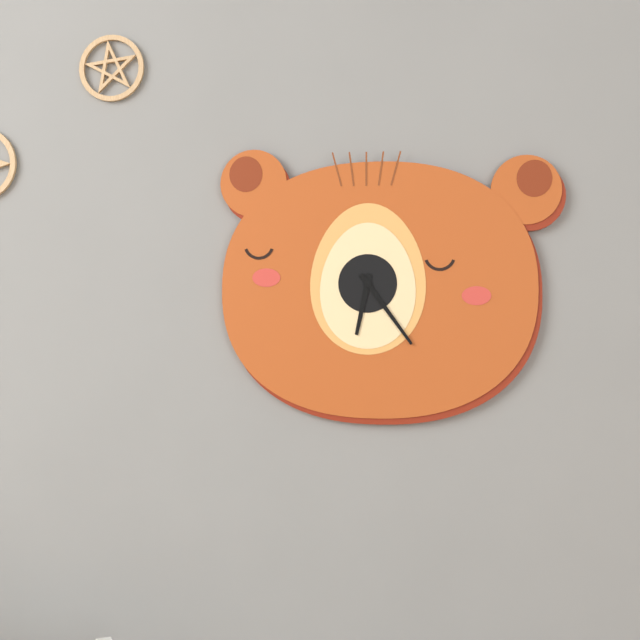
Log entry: 6:24
